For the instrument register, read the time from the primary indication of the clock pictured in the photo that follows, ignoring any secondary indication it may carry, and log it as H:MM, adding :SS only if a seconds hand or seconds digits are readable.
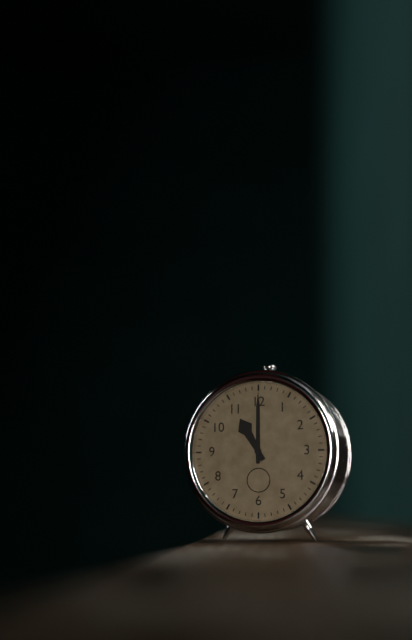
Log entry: 11:00
